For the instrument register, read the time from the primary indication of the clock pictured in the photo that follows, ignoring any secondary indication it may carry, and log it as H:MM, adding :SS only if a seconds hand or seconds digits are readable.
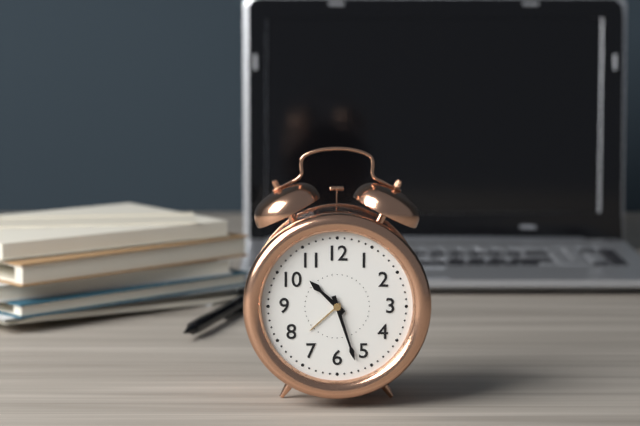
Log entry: 10:27
